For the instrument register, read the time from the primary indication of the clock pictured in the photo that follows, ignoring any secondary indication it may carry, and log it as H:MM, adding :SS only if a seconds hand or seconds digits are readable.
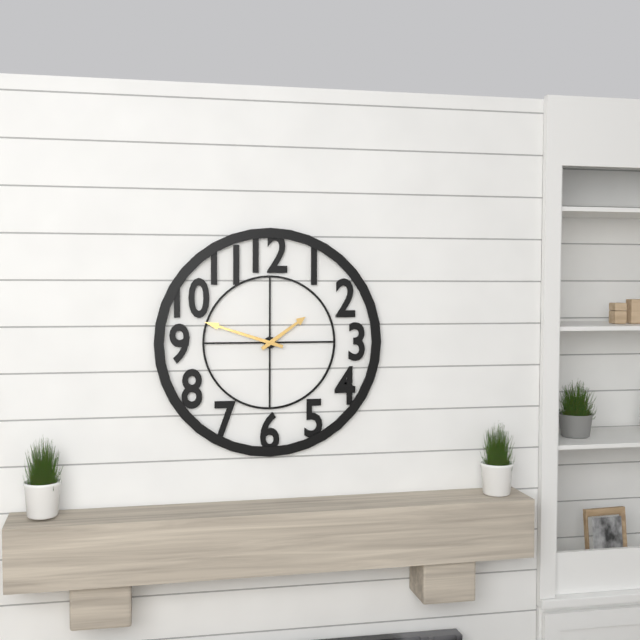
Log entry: 1:48
